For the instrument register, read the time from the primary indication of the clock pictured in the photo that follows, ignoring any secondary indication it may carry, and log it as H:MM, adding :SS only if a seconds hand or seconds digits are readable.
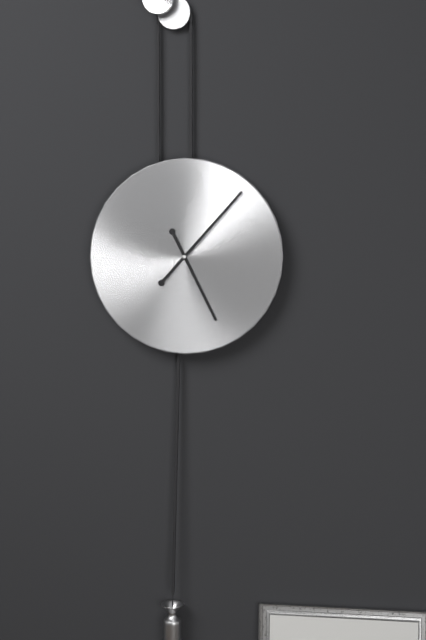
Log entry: 5:07
